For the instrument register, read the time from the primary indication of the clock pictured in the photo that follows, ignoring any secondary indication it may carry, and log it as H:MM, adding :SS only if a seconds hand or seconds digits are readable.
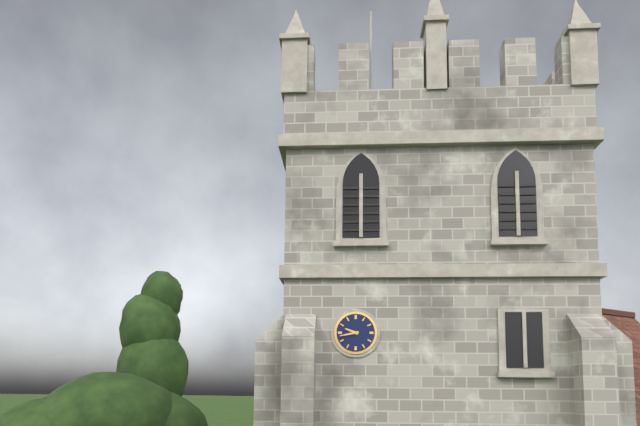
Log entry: 9:43
